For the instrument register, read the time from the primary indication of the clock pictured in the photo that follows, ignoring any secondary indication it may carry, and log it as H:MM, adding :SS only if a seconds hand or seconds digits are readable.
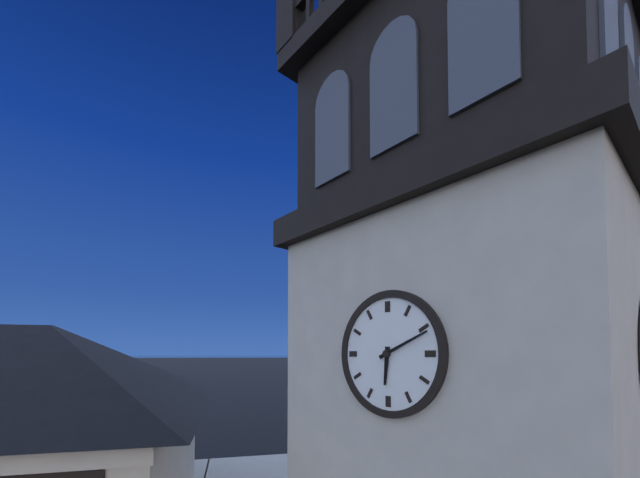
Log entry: 6:11
